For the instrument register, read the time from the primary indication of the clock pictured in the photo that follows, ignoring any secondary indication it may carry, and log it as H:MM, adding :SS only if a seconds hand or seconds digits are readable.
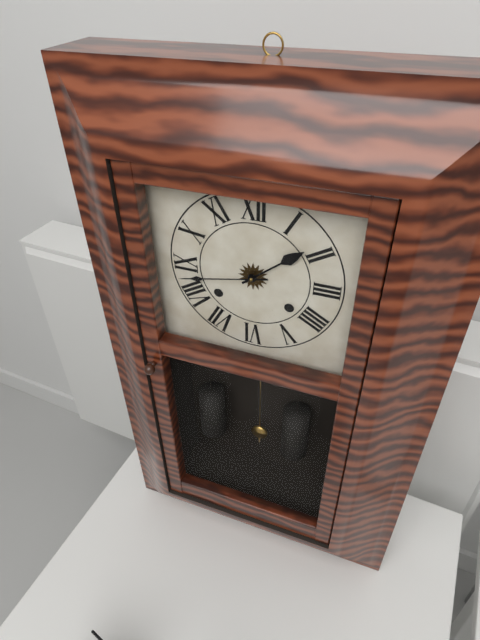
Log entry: 1:43
